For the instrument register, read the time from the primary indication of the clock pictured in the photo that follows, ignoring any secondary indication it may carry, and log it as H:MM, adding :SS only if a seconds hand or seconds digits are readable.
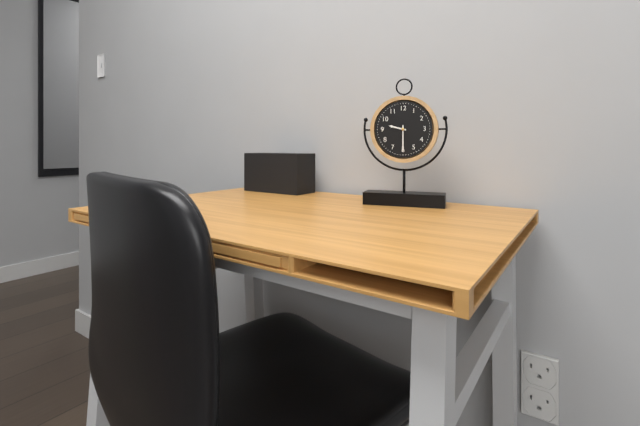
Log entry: 9:30
